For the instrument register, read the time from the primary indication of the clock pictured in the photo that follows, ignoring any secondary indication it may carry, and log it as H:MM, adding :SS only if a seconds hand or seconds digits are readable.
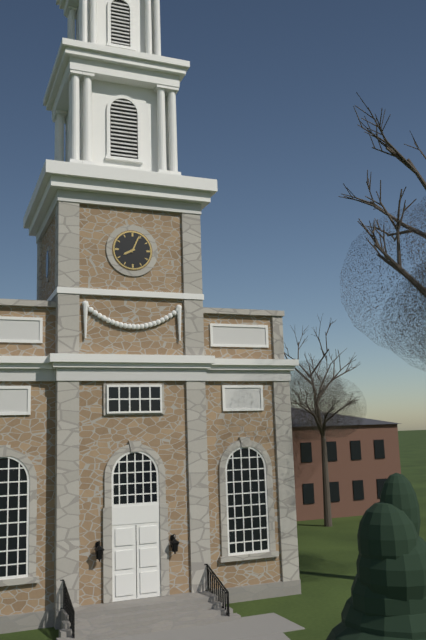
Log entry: 8:04
